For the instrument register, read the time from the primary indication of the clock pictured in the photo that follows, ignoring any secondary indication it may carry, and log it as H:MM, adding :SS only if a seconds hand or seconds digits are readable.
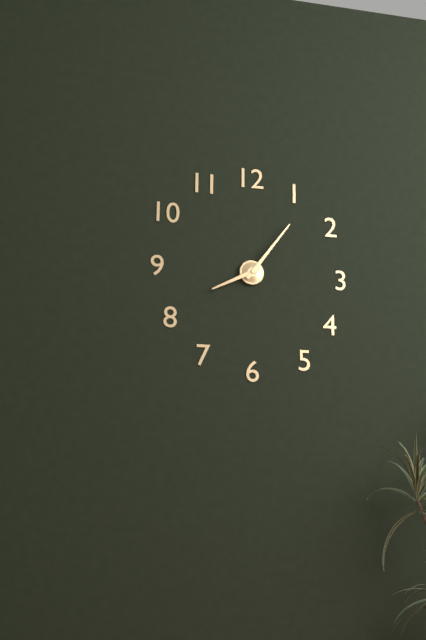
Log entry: 8:06
